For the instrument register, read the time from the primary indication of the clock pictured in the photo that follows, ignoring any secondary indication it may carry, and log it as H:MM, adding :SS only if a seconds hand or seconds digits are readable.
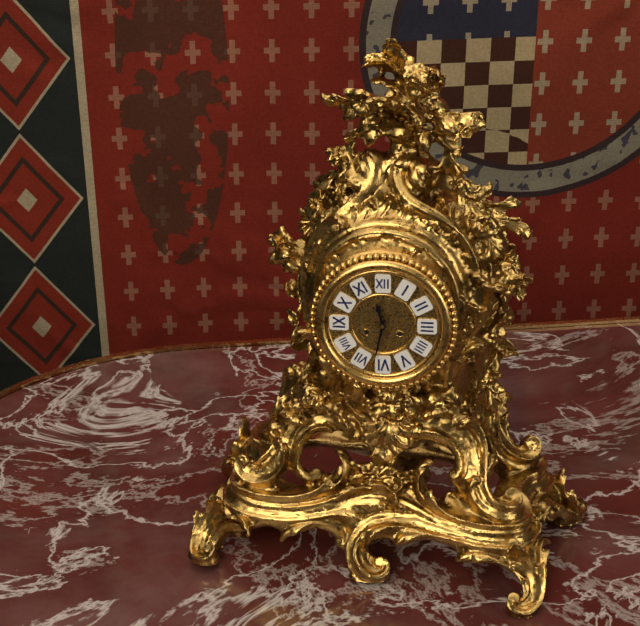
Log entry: 11:32
